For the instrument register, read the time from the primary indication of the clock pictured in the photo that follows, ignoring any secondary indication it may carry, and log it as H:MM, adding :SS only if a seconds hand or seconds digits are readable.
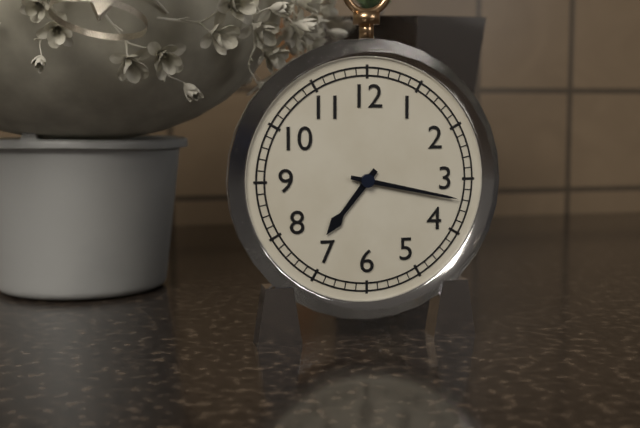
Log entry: 7:17
